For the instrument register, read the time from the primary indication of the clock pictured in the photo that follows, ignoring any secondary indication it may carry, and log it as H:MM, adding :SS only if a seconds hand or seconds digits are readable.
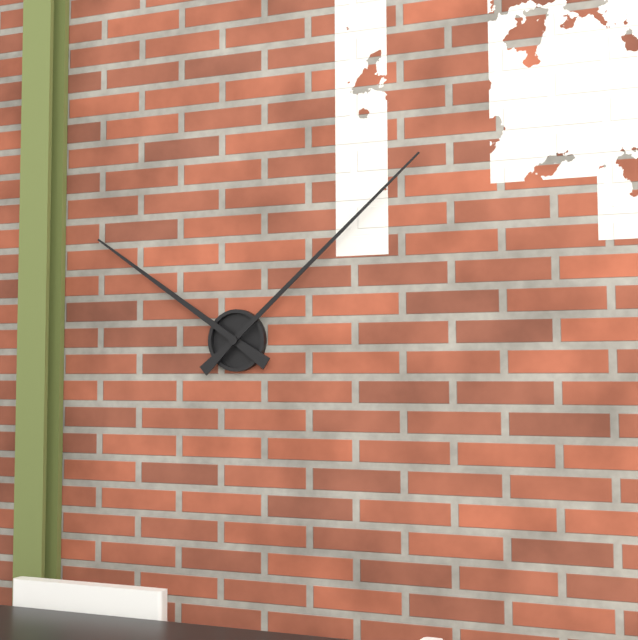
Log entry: 10:08
